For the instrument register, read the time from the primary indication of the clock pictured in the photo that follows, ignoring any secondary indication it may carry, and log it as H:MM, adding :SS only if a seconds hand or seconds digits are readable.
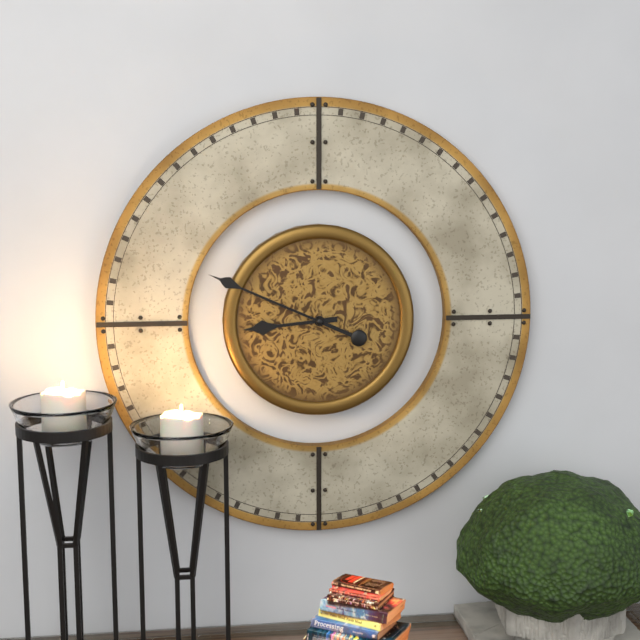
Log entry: 8:49
